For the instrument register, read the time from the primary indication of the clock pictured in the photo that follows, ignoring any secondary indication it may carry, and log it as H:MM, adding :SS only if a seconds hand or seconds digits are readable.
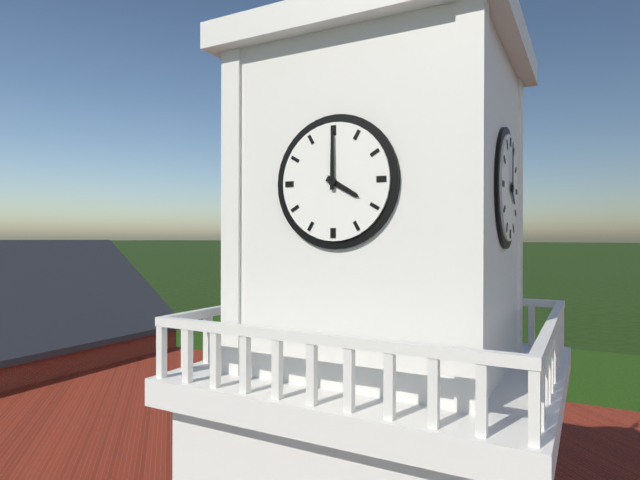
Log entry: 4:00
